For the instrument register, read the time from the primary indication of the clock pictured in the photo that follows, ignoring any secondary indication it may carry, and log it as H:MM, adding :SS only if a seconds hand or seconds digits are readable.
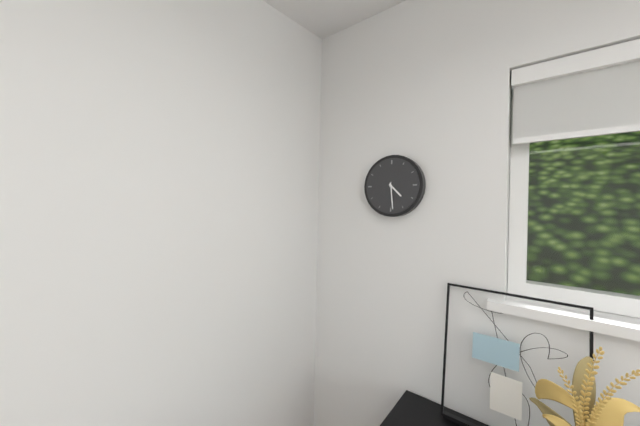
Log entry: 4:29
